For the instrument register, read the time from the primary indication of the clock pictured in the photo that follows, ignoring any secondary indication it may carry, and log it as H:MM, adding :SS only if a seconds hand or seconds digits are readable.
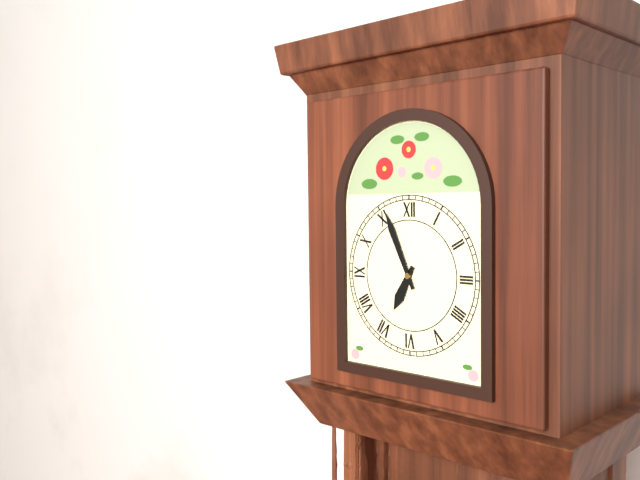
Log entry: 6:56
